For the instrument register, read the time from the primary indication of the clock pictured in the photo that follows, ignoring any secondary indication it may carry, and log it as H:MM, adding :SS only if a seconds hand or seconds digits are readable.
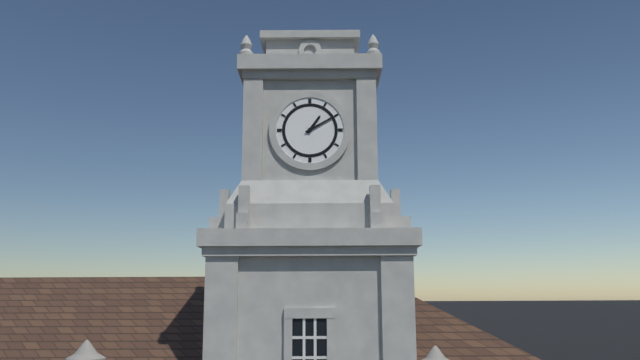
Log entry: 1:10
